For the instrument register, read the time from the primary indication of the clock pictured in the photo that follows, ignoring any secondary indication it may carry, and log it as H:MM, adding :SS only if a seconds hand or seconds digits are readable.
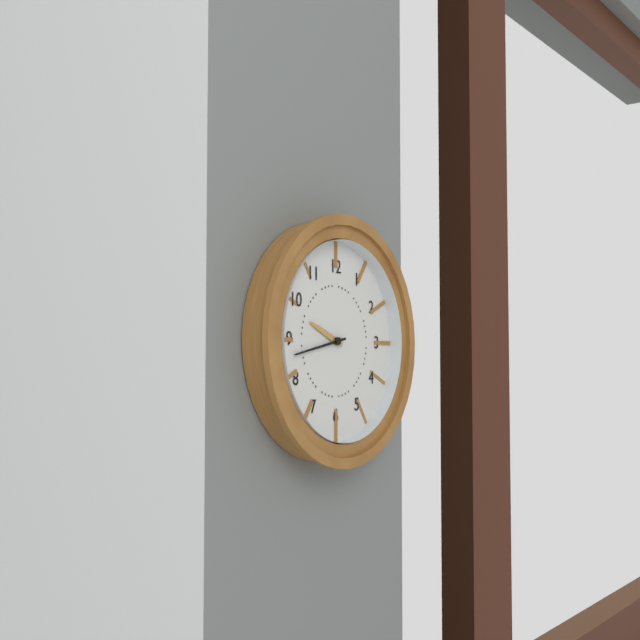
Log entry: 9:43
